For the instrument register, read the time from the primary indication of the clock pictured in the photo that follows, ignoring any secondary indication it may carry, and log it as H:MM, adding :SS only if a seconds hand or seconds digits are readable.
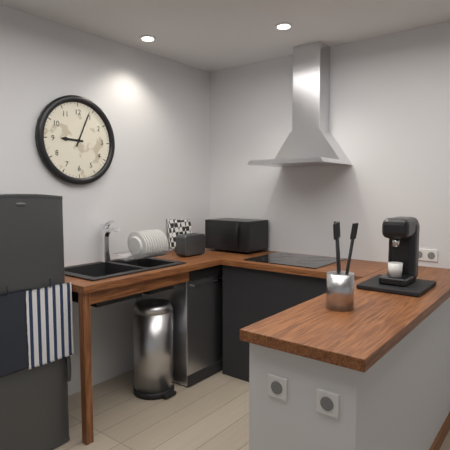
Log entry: 9:04
